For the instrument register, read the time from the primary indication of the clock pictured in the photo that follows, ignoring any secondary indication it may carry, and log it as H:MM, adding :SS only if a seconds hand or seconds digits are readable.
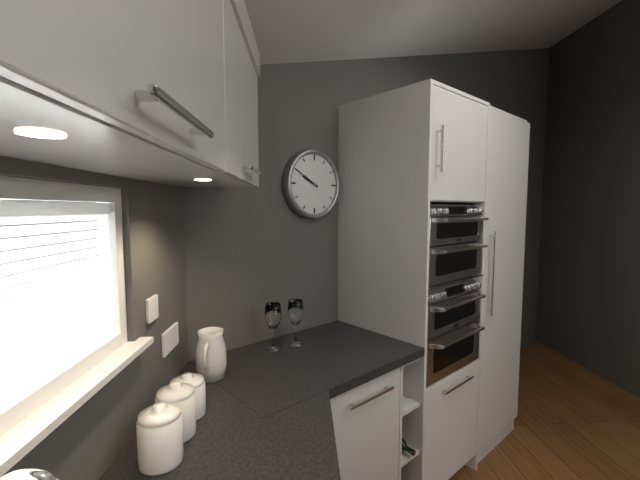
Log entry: 9:50
